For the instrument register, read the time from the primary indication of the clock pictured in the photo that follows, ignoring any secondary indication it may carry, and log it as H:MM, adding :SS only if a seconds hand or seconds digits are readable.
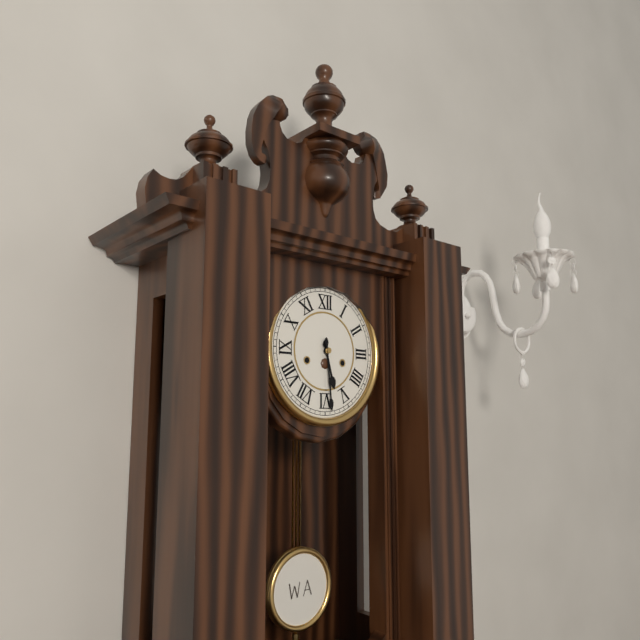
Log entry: 5:29
